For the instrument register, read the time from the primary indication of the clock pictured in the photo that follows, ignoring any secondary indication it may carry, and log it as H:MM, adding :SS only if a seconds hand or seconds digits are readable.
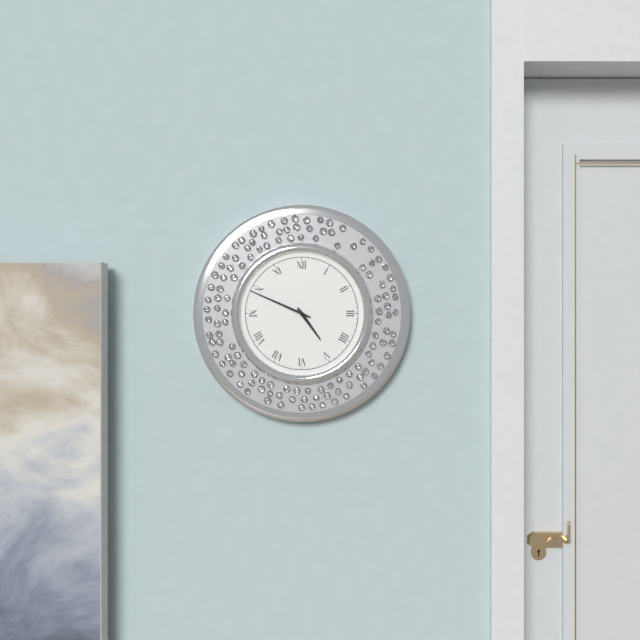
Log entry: 4:49
